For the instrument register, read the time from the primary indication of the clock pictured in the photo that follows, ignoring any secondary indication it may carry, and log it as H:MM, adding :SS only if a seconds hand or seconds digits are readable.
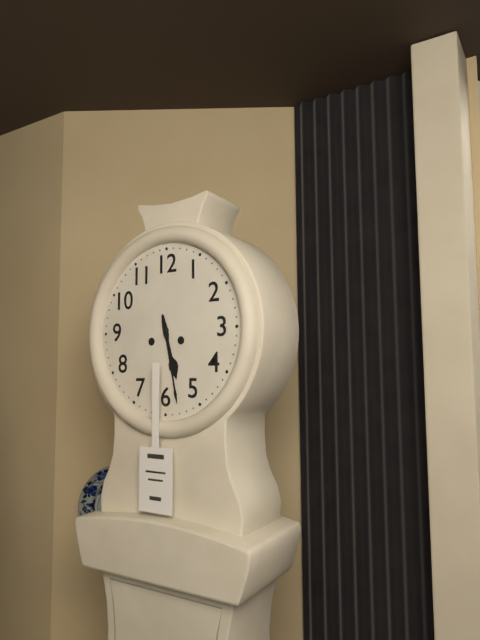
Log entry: 5:28
